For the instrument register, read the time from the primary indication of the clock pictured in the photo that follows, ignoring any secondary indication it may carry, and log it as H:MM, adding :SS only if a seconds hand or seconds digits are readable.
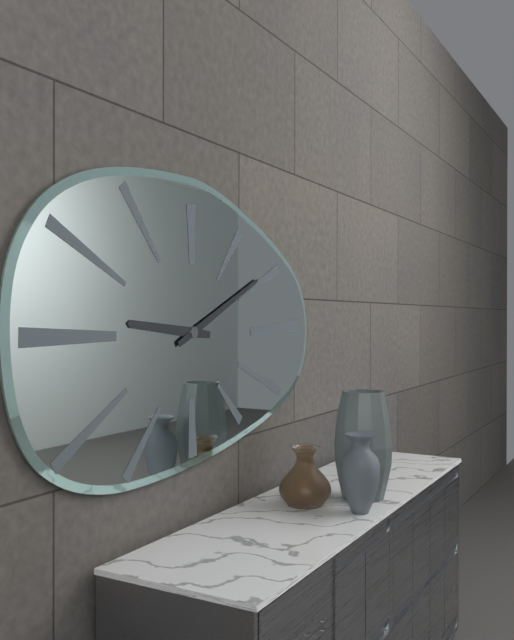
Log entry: 9:11
